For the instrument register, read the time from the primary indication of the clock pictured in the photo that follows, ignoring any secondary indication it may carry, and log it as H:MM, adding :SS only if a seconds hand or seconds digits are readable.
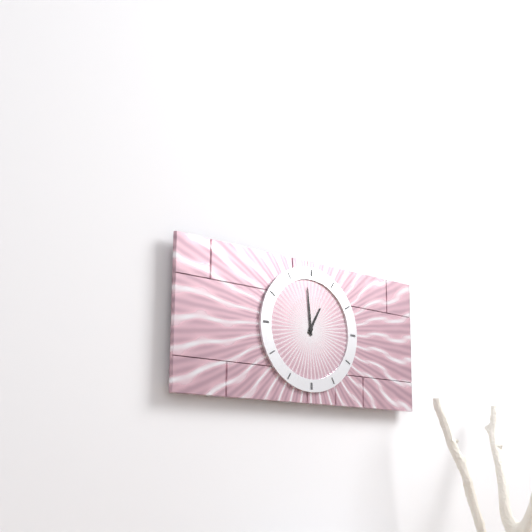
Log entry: 12:59
